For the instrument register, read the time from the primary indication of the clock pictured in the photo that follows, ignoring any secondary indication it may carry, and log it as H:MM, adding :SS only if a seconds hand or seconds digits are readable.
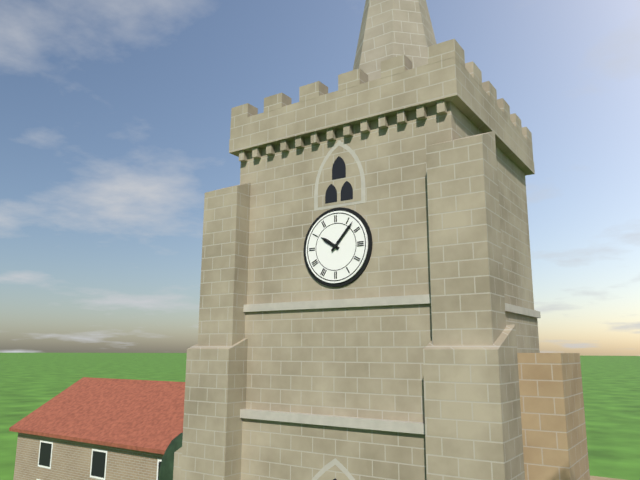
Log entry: 10:07
